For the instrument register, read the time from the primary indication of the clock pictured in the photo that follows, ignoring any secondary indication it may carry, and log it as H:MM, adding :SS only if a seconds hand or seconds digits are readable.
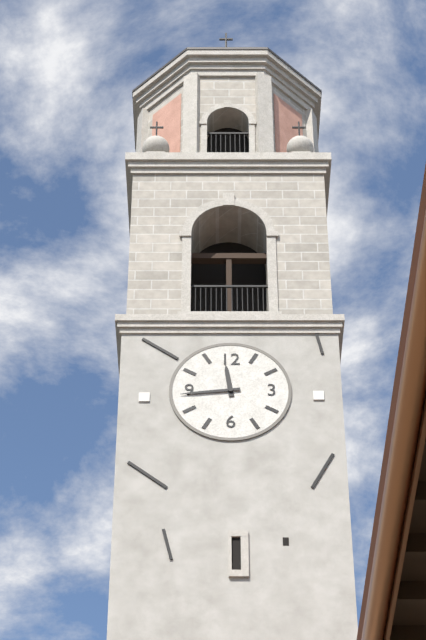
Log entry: 11:44
